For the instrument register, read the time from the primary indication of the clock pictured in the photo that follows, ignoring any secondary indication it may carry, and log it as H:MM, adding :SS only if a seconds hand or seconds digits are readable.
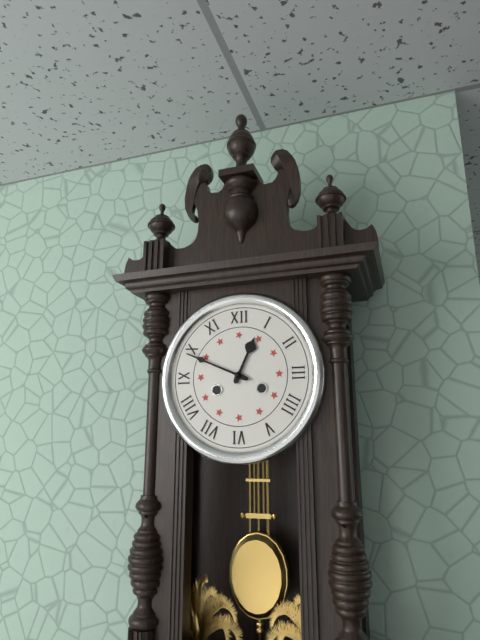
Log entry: 12:49
